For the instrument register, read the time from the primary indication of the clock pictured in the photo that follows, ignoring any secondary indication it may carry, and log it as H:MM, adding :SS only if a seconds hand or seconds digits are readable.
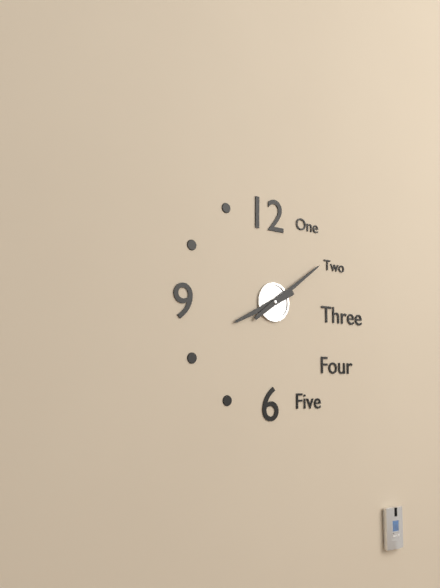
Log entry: 8:09
